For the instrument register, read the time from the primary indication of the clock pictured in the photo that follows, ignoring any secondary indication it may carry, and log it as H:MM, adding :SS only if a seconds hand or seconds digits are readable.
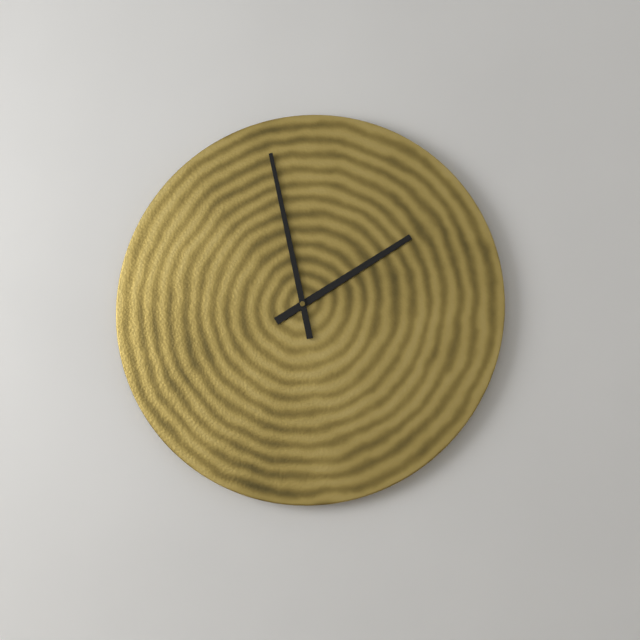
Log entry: 1:58
